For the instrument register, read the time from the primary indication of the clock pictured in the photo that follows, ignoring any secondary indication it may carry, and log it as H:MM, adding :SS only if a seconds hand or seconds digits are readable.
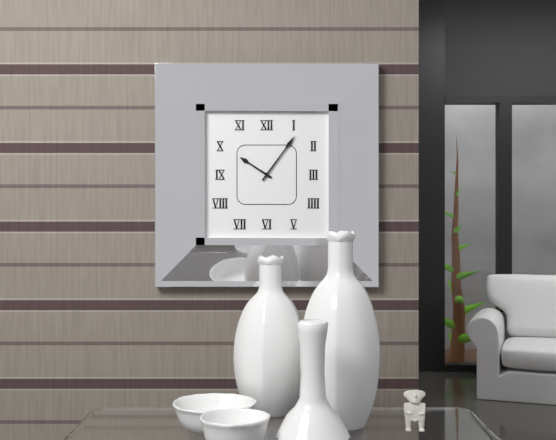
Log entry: 10:06
